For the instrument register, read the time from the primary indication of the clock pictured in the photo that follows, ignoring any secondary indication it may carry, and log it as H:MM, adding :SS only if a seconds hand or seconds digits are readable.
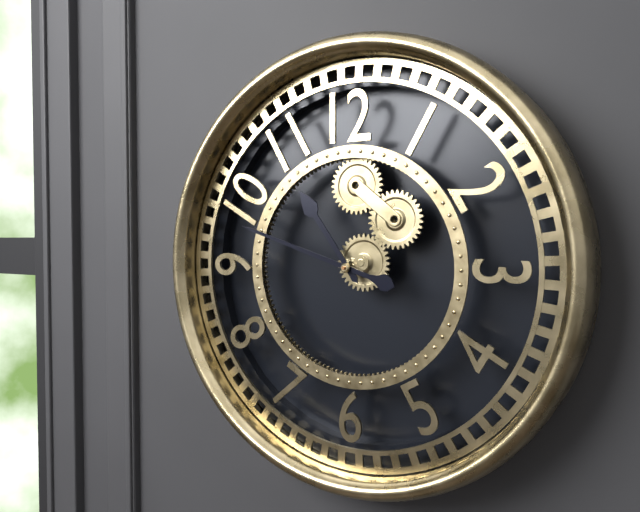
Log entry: 10:48
